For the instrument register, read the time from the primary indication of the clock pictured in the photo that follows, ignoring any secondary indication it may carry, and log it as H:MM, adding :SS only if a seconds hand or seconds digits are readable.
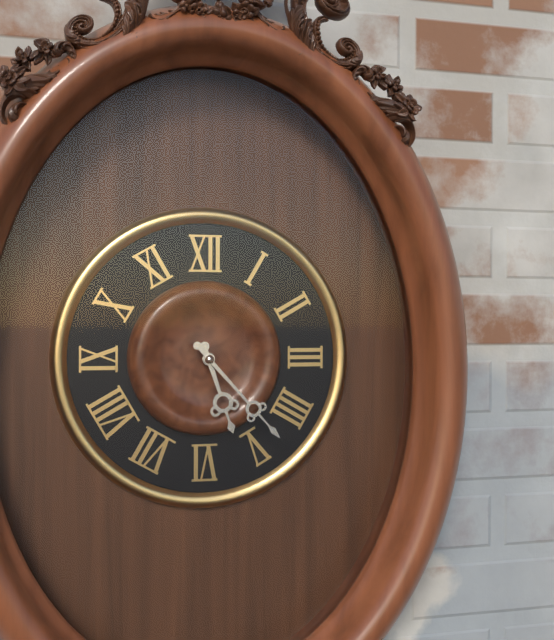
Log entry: 5:23
